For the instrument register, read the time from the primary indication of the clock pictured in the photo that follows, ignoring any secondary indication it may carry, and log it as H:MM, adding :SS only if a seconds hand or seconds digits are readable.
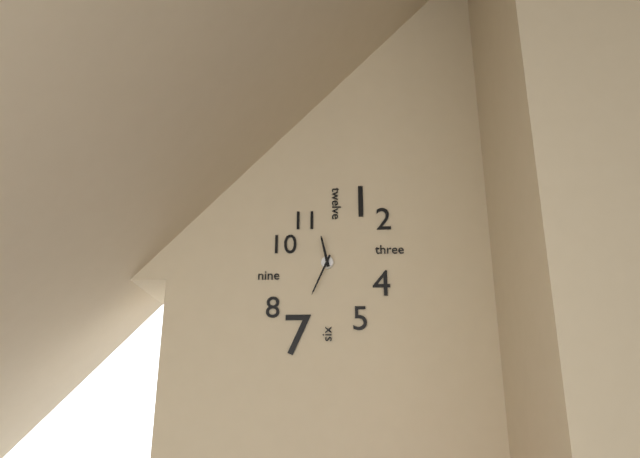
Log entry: 11:34
